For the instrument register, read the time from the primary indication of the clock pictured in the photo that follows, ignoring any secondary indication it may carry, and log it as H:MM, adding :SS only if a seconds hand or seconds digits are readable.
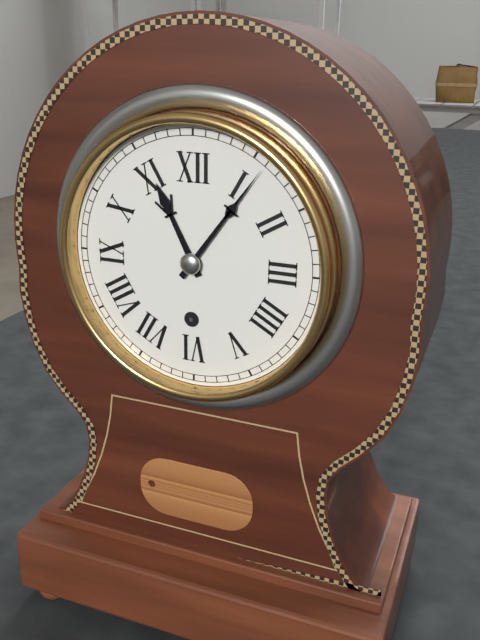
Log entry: 11:06
